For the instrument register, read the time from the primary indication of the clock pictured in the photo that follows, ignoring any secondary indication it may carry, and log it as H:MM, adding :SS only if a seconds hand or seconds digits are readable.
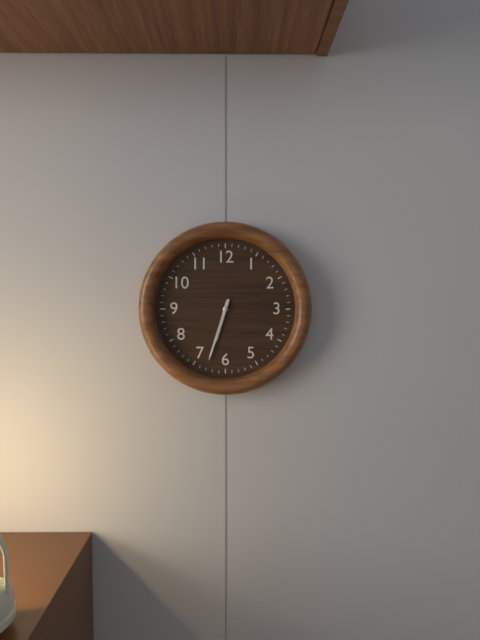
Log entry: 6:33
